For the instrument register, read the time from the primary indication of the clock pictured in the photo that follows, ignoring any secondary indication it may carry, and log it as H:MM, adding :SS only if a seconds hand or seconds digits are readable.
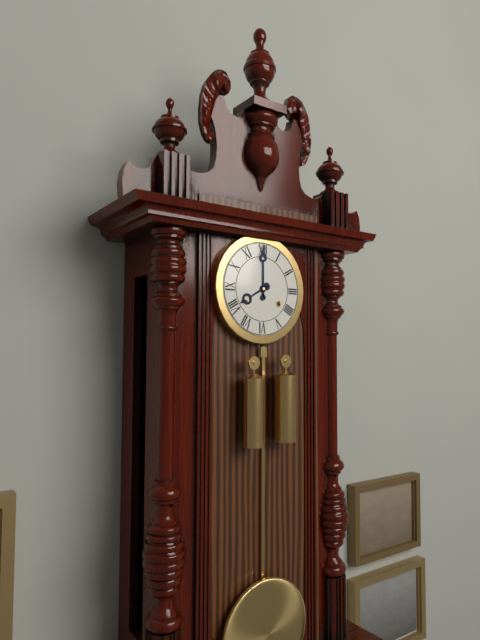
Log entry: 8:00
